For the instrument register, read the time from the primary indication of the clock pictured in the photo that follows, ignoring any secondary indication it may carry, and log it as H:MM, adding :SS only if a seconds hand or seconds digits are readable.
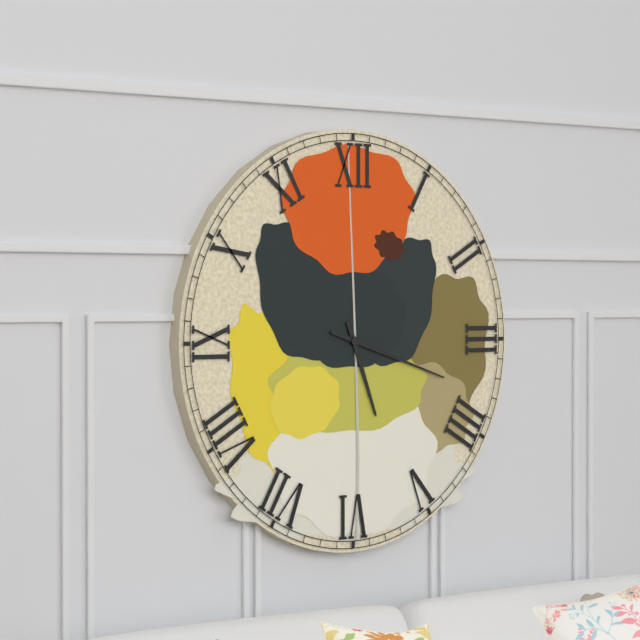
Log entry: 5:18
